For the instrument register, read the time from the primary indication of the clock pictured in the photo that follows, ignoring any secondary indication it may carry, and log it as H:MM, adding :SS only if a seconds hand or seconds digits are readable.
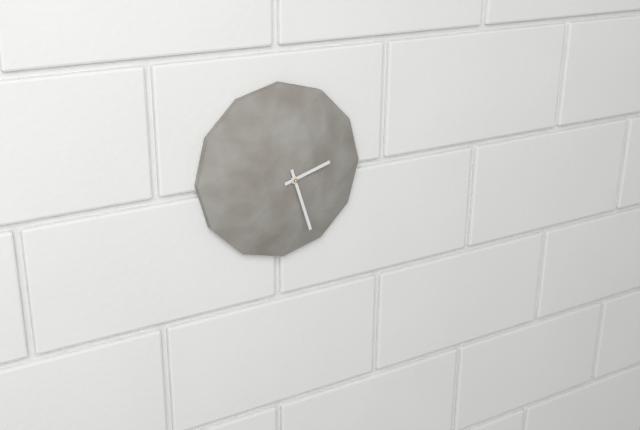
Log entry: 2:27
